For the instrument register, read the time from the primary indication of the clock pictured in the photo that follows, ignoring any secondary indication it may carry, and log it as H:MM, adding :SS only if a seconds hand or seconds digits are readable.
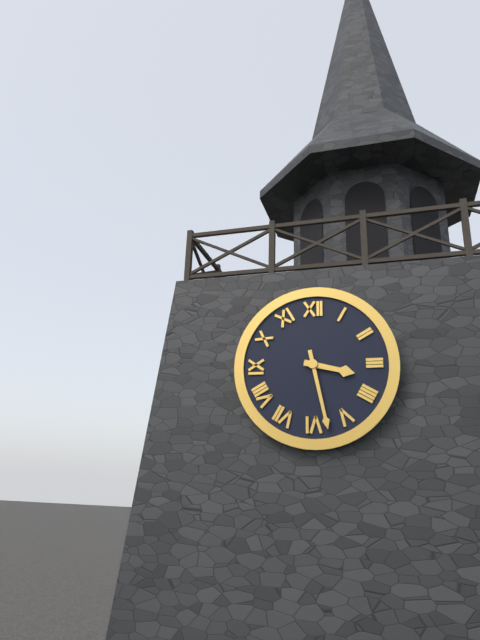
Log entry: 3:28
